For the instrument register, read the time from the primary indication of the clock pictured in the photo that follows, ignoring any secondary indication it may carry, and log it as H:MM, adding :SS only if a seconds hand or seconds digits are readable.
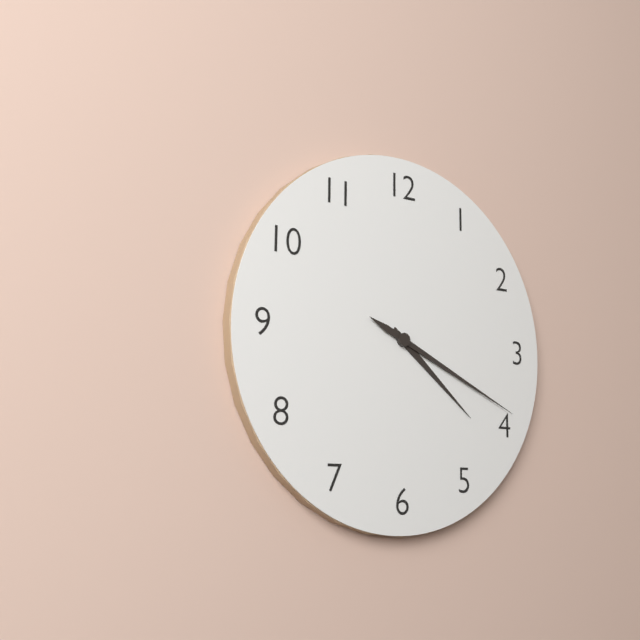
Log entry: 4:19
